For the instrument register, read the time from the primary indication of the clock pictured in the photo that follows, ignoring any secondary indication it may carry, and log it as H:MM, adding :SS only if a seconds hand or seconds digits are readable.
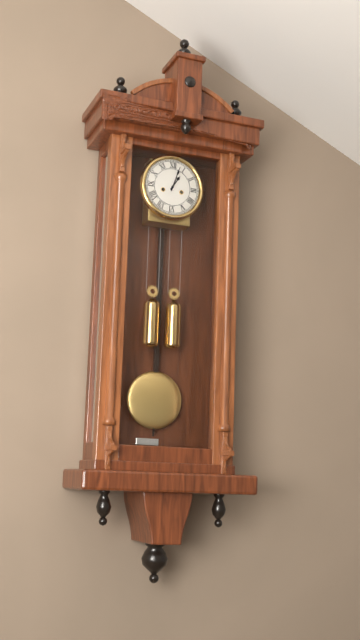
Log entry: 1:03
